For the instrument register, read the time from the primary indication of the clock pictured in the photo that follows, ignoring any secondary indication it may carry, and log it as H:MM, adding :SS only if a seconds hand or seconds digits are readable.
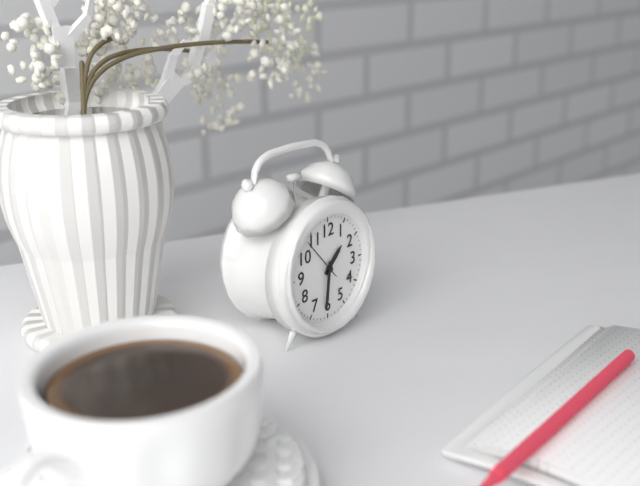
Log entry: 1:31
